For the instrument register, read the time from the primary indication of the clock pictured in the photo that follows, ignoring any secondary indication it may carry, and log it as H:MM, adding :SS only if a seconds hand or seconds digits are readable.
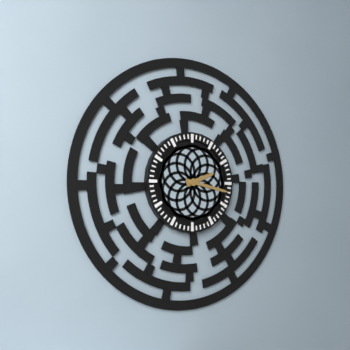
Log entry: 2:17
